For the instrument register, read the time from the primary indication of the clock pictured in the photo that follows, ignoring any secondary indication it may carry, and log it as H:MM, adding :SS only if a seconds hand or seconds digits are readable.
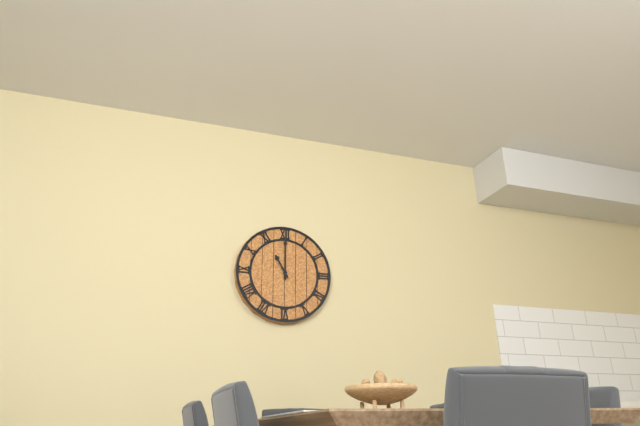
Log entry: 11:00
